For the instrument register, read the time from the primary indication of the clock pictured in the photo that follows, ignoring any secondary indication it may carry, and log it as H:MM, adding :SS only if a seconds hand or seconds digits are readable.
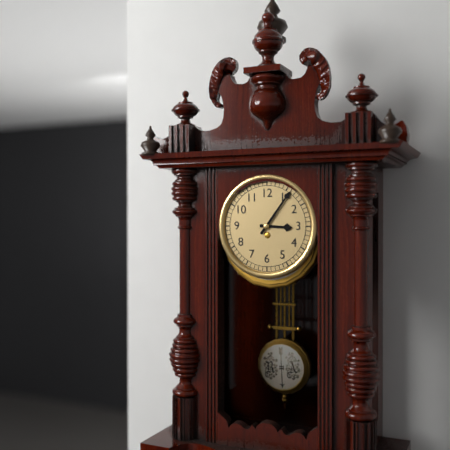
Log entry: 3:06
